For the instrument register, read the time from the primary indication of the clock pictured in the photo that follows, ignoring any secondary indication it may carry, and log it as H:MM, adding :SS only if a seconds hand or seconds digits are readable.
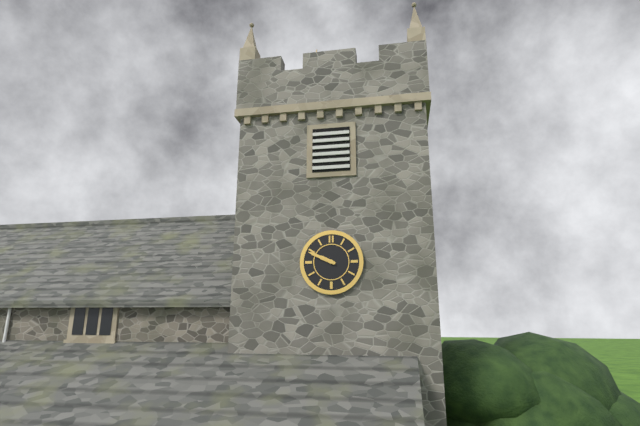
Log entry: 9:49
